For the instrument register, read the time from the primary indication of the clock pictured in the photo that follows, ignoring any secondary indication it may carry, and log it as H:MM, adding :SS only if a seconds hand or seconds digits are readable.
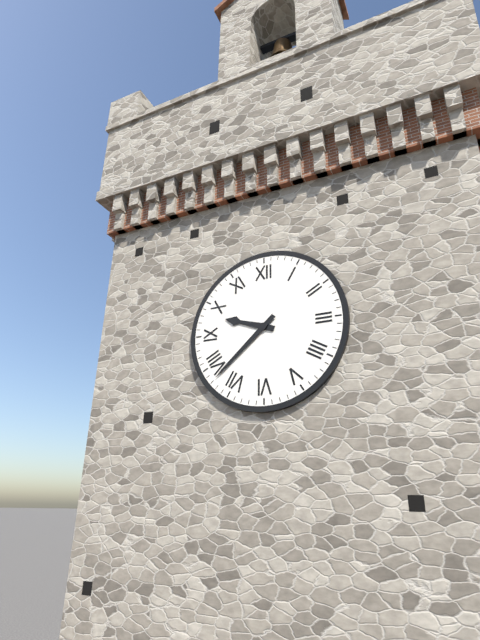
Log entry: 9:38
